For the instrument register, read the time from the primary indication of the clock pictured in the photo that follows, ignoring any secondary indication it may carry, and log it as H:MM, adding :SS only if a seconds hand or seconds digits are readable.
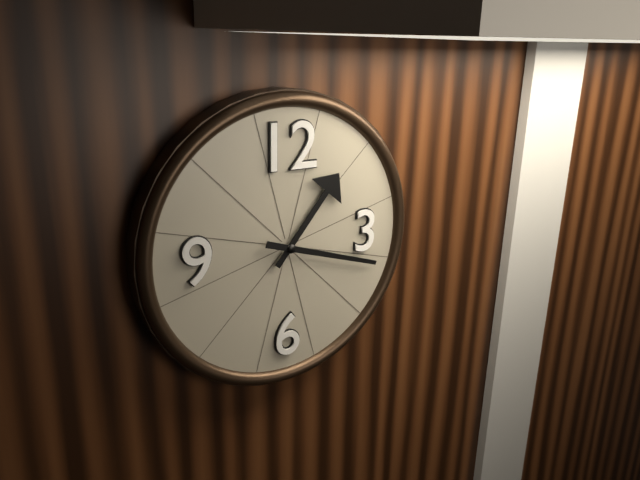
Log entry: 1:18
